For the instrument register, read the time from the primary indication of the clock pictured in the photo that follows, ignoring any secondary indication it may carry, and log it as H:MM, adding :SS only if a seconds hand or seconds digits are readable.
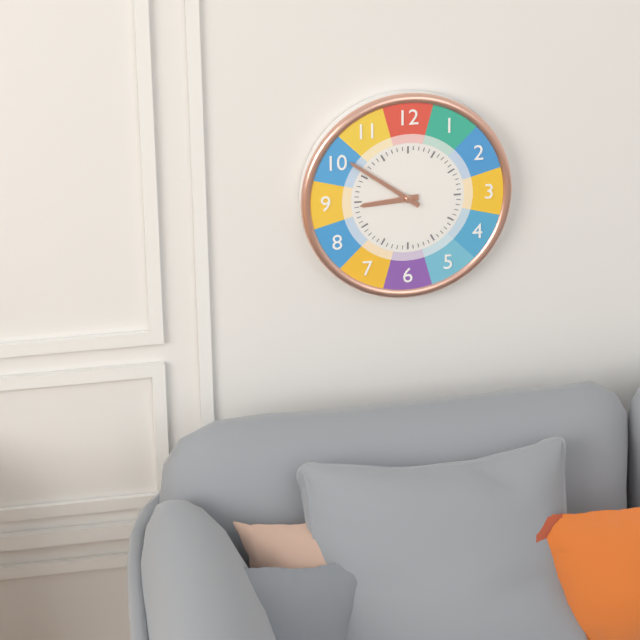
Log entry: 8:51
